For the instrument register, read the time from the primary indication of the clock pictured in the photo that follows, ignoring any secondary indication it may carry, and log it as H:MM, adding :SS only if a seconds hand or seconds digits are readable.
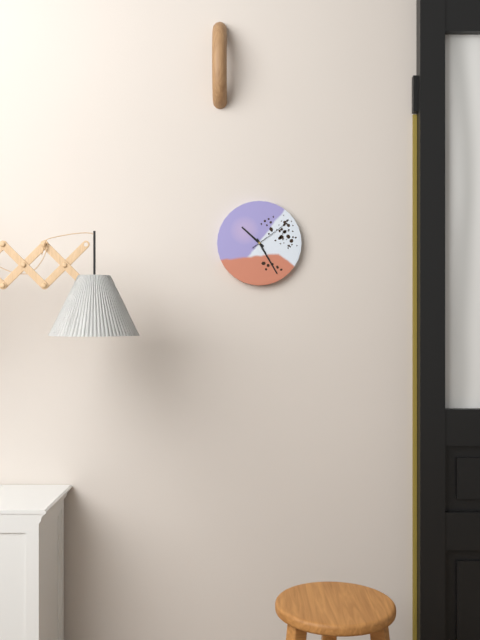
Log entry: 10:25
